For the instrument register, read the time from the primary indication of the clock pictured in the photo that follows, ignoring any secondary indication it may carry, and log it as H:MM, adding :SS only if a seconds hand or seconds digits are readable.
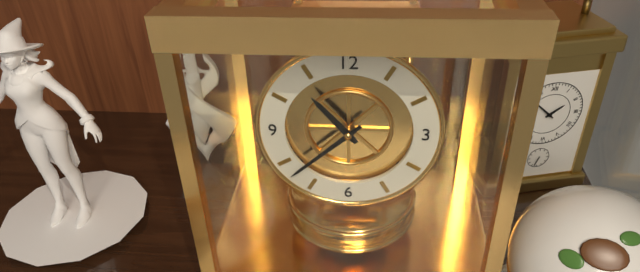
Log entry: 10:38
